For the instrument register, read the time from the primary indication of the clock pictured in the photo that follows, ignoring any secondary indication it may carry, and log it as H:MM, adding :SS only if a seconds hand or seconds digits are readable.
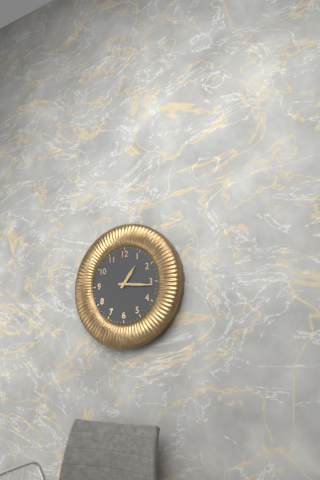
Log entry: 1:16
